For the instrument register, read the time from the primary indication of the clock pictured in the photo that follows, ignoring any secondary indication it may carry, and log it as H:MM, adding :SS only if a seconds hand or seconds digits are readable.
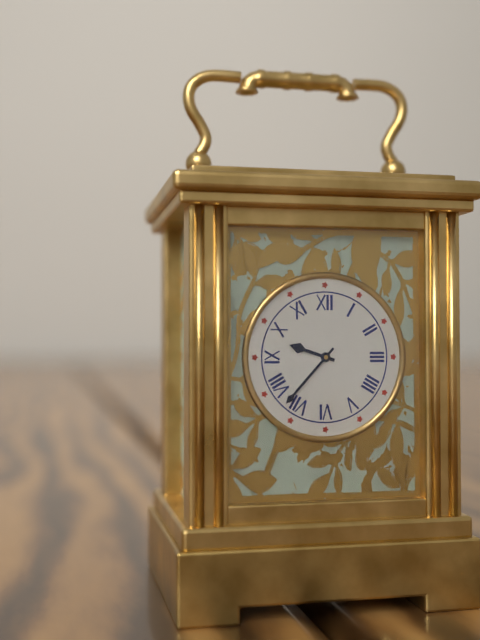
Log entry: 9:37
